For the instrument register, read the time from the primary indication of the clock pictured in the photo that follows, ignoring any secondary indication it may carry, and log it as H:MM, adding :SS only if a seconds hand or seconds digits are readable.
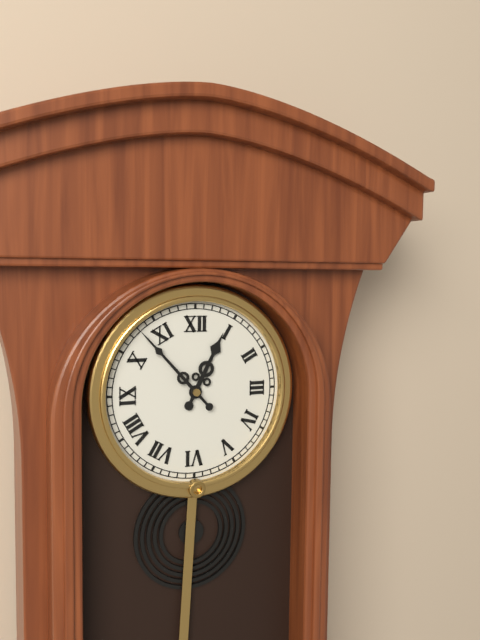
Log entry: 12:53
